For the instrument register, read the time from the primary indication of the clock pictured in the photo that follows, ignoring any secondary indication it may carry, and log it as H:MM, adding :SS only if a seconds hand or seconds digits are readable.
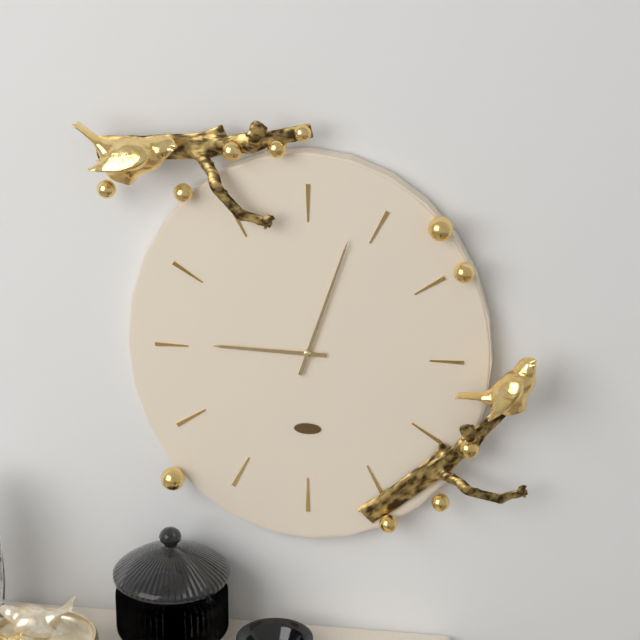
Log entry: 9:03
